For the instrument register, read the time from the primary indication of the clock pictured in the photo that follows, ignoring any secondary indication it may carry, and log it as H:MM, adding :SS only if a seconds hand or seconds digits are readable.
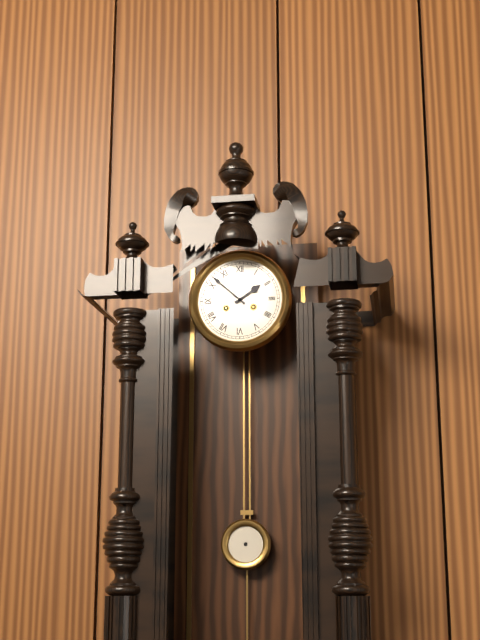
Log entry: 1:52
